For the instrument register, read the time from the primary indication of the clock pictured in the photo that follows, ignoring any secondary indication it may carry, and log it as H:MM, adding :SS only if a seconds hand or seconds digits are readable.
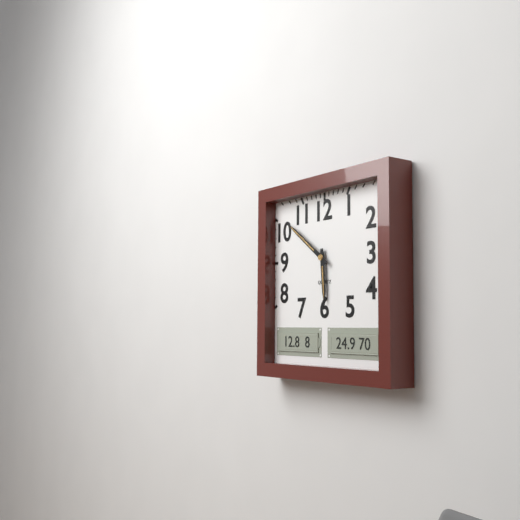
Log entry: 5:51
